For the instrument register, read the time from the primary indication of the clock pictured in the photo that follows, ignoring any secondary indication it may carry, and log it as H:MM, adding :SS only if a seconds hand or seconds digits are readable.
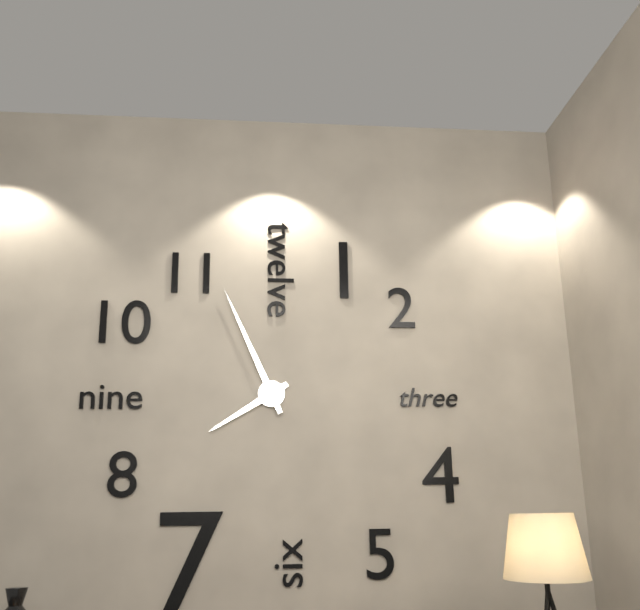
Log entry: 7:56
